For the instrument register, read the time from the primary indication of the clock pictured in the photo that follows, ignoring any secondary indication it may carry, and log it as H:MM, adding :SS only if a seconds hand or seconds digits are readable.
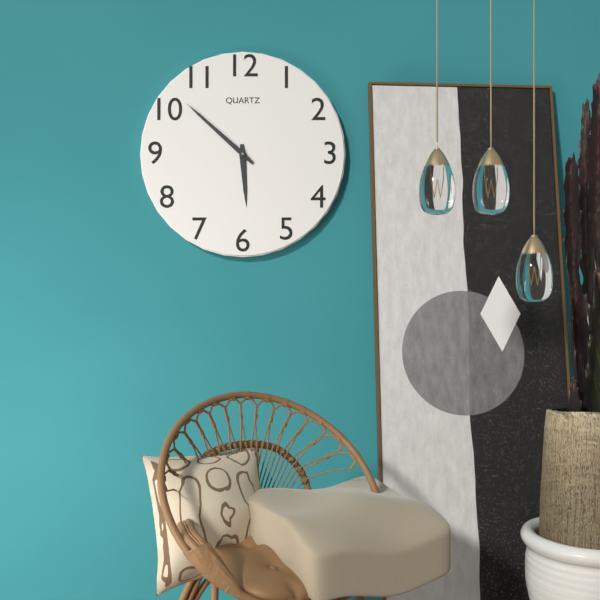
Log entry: 5:52
